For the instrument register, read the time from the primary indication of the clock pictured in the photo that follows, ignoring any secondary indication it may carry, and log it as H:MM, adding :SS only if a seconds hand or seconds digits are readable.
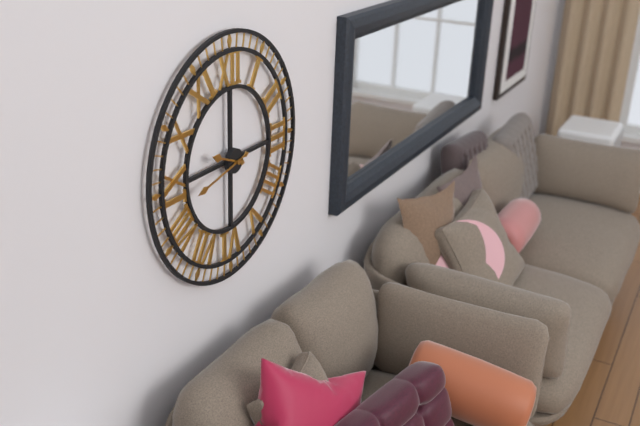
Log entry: 9:43
